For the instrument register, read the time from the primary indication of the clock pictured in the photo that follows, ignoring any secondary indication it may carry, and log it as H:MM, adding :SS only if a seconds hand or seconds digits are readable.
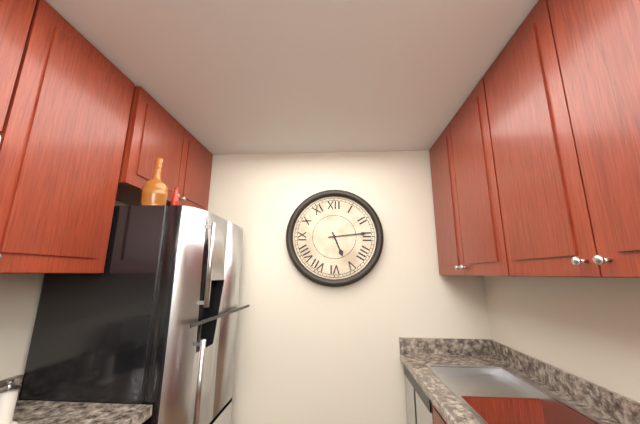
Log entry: 5:14
